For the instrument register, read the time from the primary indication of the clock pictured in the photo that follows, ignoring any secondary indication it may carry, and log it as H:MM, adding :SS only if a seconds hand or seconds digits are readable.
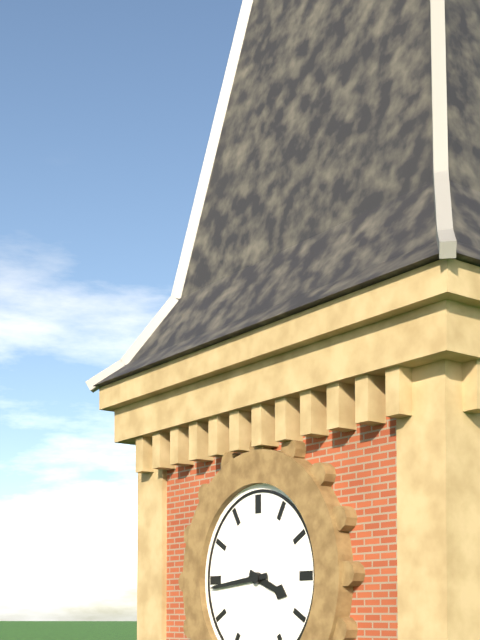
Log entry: 3:44
